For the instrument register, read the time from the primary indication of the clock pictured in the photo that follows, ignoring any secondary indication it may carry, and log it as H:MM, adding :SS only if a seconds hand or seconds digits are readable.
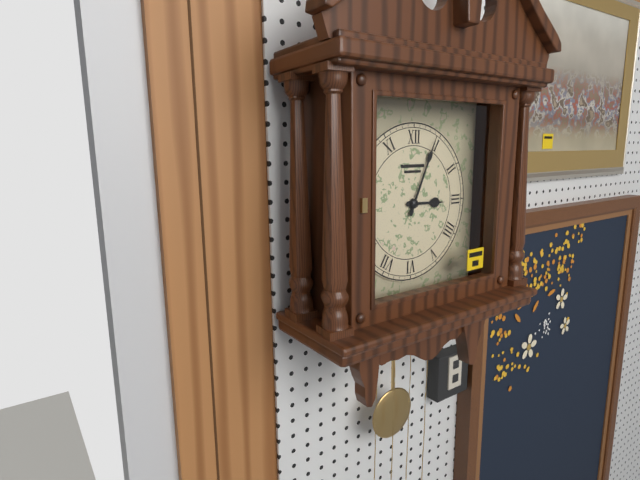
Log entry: 3:04
